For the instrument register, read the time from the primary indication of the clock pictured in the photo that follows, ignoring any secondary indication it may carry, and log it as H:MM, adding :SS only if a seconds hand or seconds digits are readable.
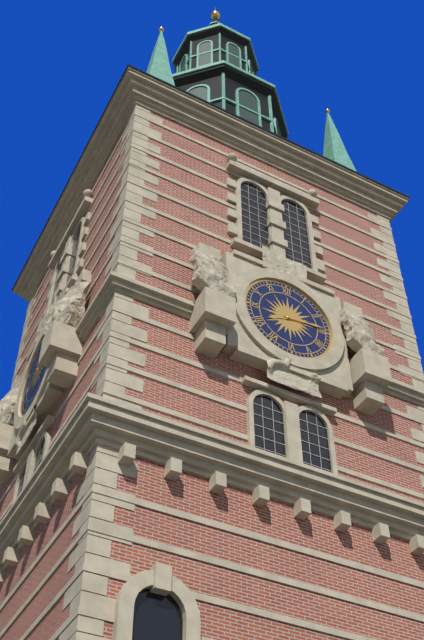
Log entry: 8:14
